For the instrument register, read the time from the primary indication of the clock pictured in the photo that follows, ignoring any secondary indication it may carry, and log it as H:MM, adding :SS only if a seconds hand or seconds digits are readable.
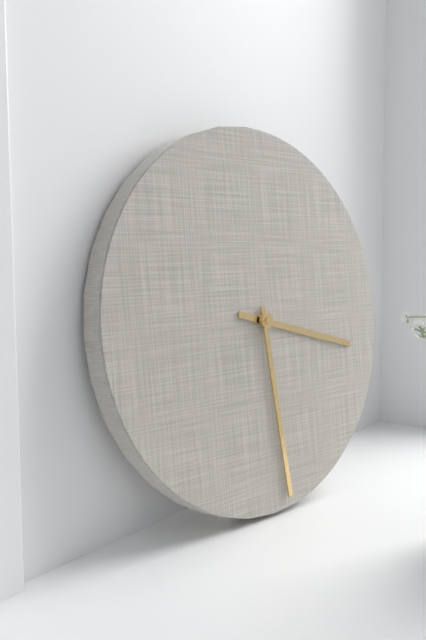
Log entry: 3:29
